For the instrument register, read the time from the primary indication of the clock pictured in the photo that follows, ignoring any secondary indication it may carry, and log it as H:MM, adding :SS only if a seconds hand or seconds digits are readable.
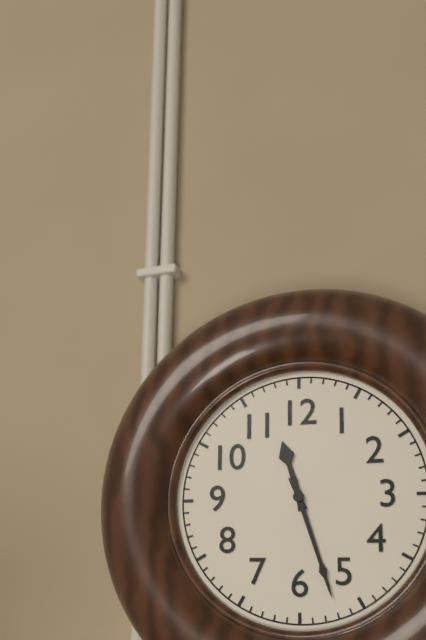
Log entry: 11:27
